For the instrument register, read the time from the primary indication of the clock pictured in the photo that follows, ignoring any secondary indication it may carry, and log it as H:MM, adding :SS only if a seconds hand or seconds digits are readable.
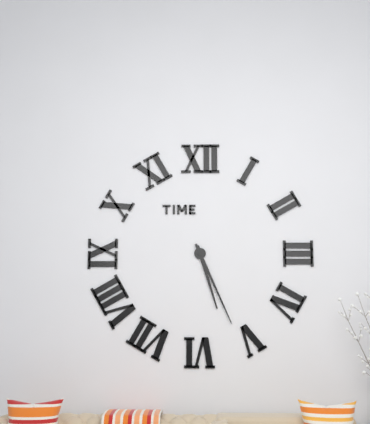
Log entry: 5:26
